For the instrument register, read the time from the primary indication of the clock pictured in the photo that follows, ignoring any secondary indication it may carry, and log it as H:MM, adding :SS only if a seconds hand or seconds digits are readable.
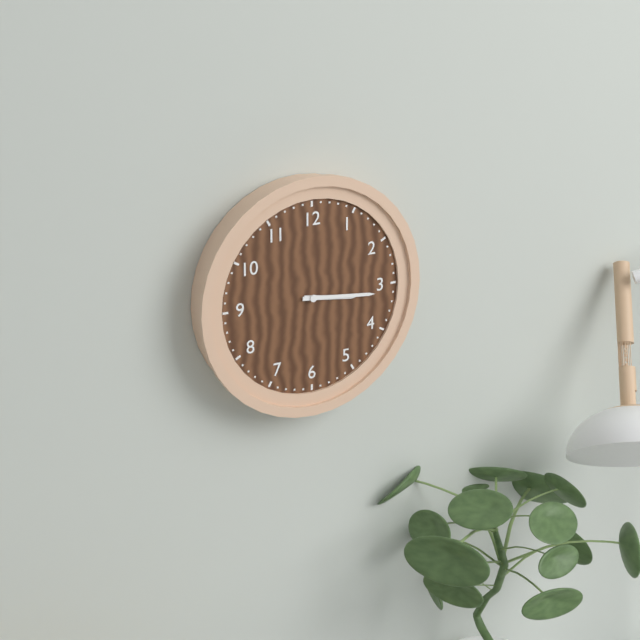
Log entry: 3:16
